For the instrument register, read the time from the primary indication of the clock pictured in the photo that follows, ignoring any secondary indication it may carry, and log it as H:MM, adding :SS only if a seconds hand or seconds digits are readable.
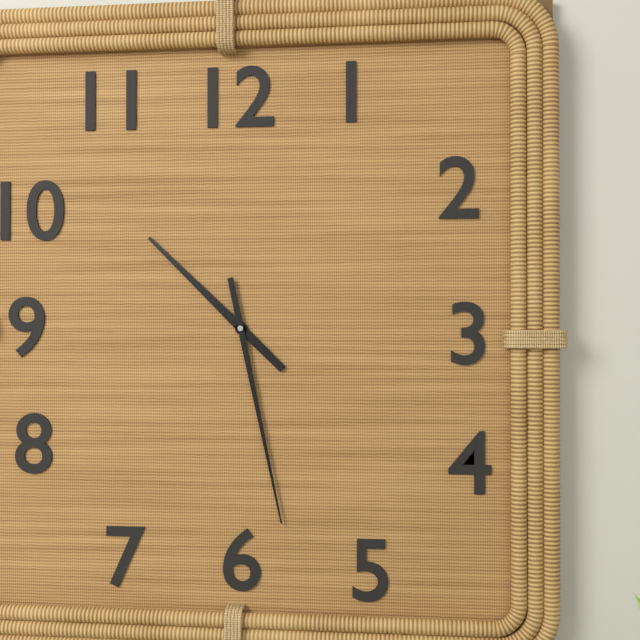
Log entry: 10:28
